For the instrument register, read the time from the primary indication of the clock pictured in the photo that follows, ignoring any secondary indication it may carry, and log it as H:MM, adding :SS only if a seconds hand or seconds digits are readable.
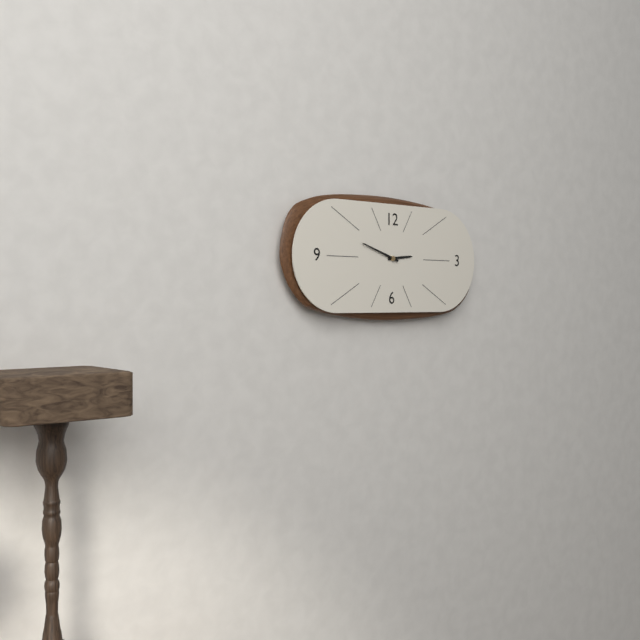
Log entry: 2:48
